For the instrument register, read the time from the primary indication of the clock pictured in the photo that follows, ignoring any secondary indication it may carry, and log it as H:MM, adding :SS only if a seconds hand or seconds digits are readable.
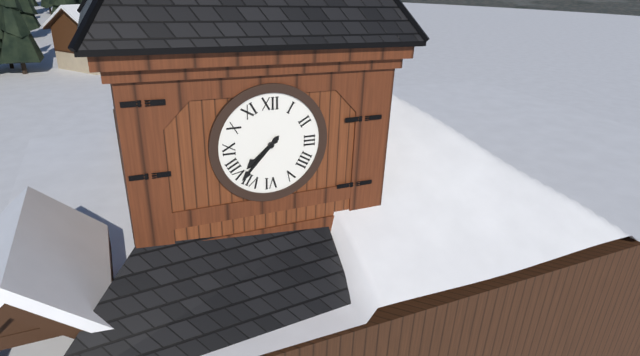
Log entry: 7:37
